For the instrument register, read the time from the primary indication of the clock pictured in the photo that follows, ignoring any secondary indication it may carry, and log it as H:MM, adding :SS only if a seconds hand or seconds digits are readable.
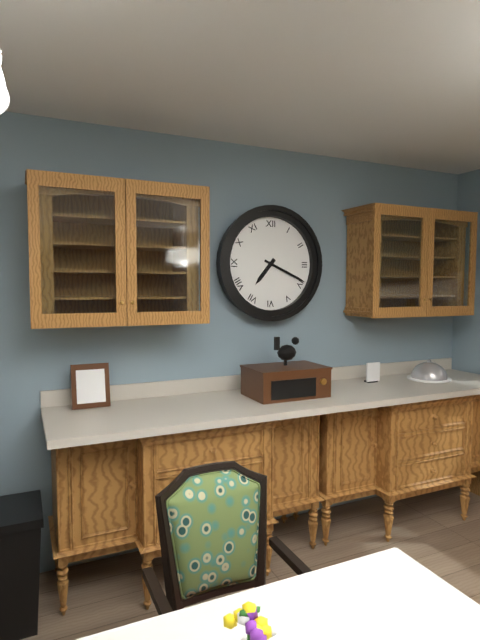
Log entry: 7:19
